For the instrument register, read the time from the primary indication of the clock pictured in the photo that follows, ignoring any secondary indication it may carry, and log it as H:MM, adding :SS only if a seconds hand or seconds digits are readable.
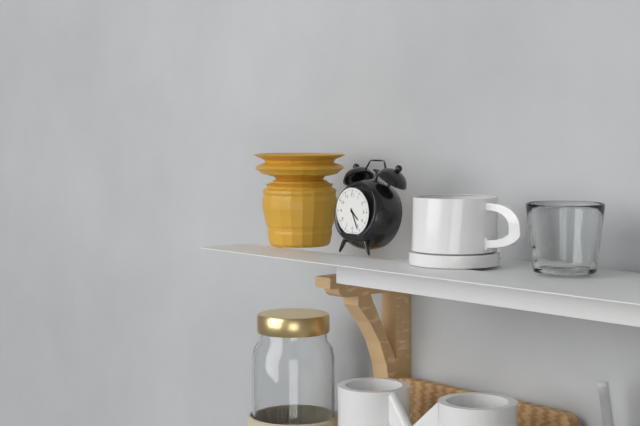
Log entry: 4:26
